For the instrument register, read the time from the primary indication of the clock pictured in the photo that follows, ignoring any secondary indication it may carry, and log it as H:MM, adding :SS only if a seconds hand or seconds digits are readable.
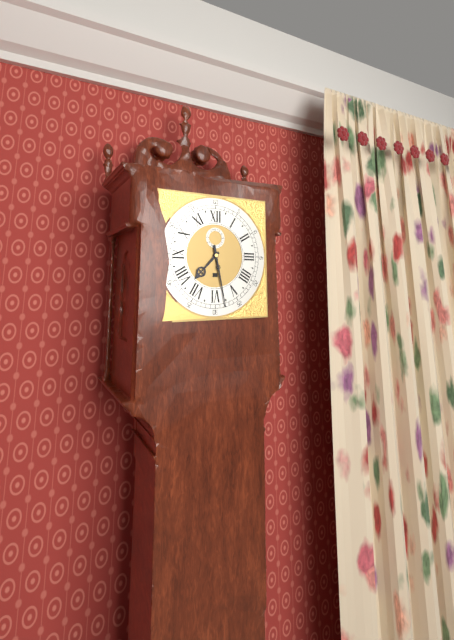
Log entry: 7:28
